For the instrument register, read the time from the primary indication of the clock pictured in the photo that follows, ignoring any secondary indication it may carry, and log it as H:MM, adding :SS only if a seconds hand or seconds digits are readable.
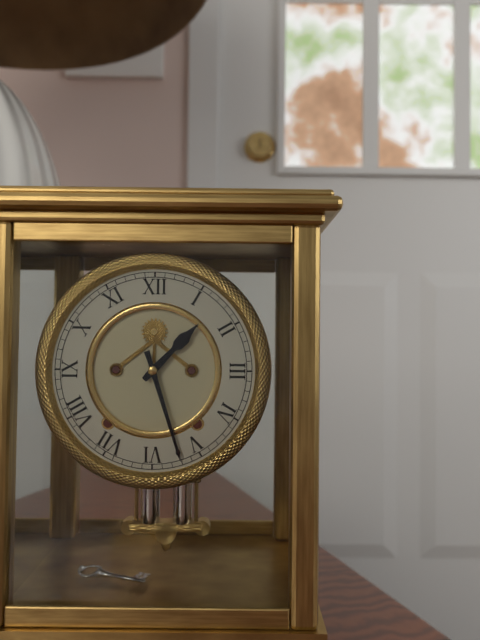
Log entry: 1:27
